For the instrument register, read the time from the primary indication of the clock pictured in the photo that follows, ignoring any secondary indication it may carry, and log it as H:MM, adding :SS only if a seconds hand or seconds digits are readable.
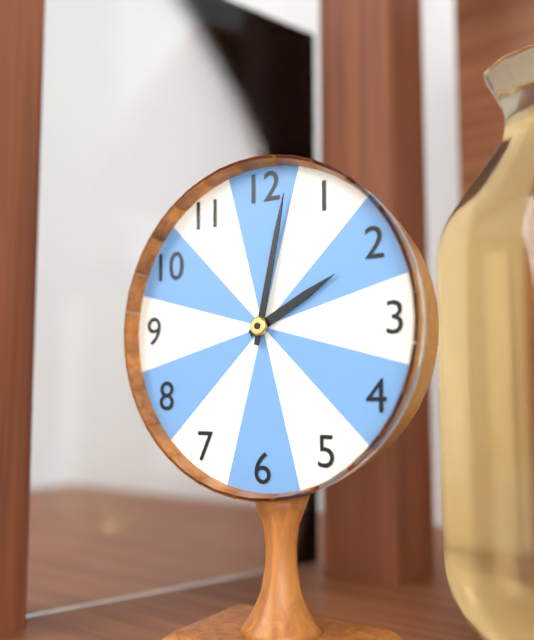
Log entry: 2:02
